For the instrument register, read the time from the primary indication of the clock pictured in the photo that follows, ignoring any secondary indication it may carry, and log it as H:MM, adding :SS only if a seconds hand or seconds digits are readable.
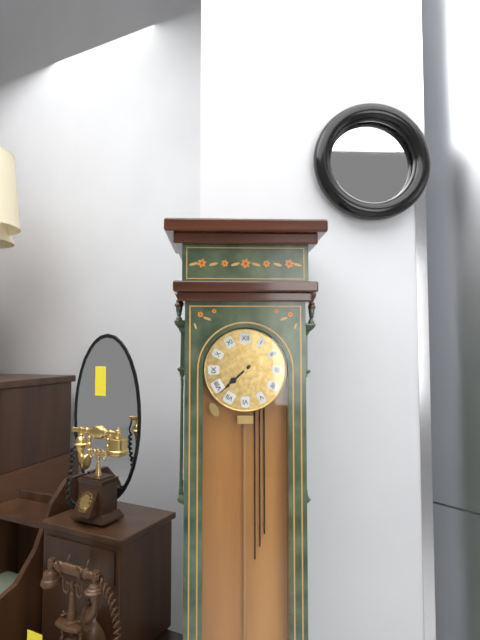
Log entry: 7:38
